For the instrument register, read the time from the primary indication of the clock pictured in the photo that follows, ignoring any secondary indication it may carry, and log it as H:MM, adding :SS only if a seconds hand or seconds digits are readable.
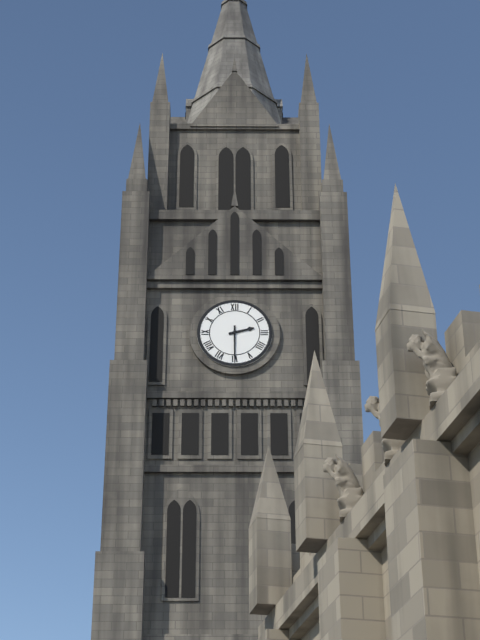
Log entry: 2:30
